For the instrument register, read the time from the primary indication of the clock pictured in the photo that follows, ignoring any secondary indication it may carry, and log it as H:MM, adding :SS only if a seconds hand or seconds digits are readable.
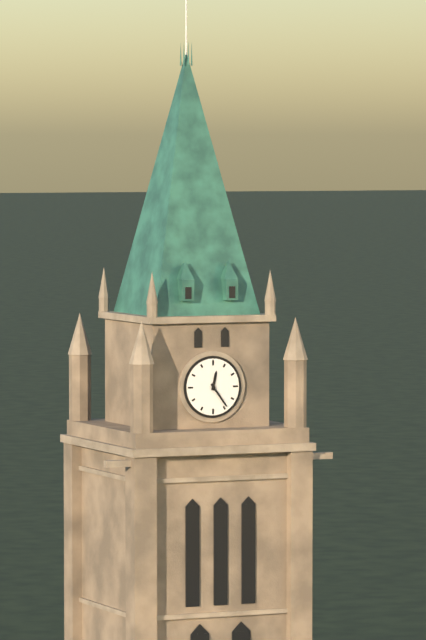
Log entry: 12:24
